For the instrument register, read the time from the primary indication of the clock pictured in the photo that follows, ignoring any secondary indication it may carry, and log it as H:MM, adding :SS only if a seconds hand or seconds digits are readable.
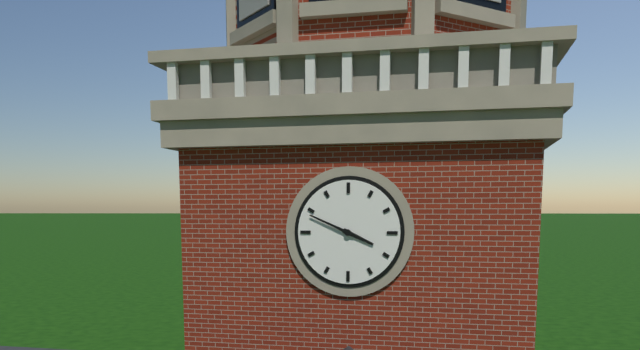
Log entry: 3:49
